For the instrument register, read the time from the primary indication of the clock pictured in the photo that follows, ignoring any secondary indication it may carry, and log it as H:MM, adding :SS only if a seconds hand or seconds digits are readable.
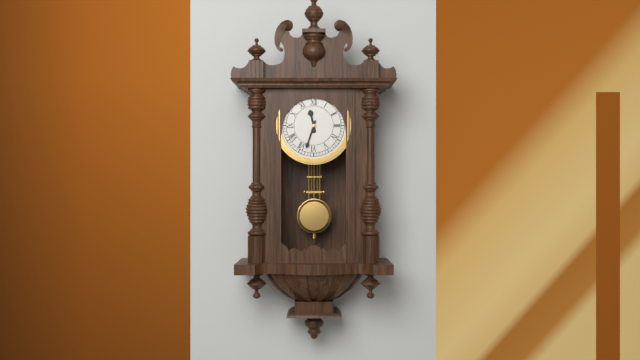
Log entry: 11:33
